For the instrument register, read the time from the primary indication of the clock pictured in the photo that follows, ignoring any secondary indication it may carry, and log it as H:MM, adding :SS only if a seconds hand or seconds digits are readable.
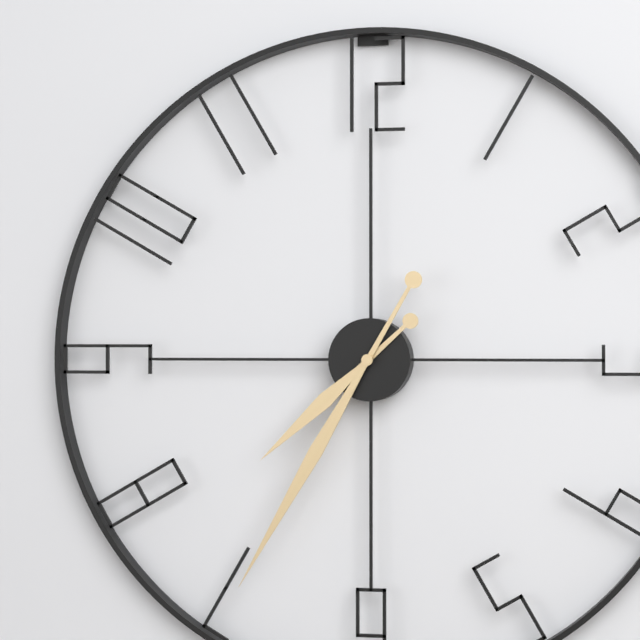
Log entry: 7:35
